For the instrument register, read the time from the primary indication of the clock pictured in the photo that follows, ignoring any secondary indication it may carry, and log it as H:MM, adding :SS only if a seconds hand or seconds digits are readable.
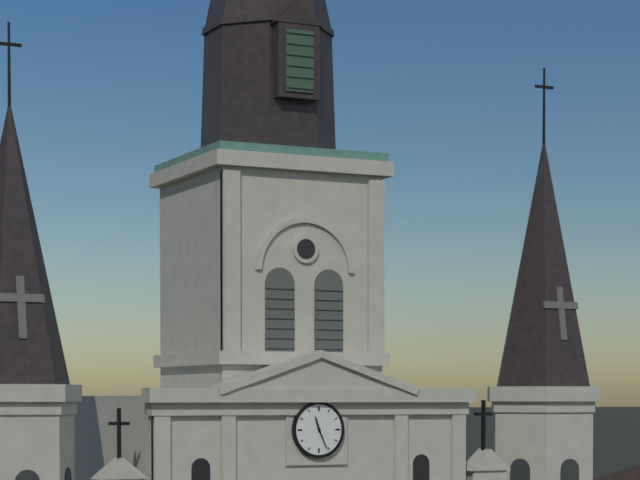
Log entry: 11:26
